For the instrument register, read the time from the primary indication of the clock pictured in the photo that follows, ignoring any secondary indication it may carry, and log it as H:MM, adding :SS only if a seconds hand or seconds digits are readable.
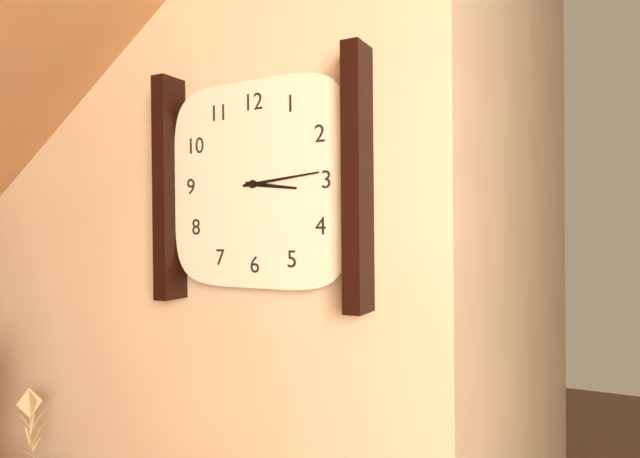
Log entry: 3:14
